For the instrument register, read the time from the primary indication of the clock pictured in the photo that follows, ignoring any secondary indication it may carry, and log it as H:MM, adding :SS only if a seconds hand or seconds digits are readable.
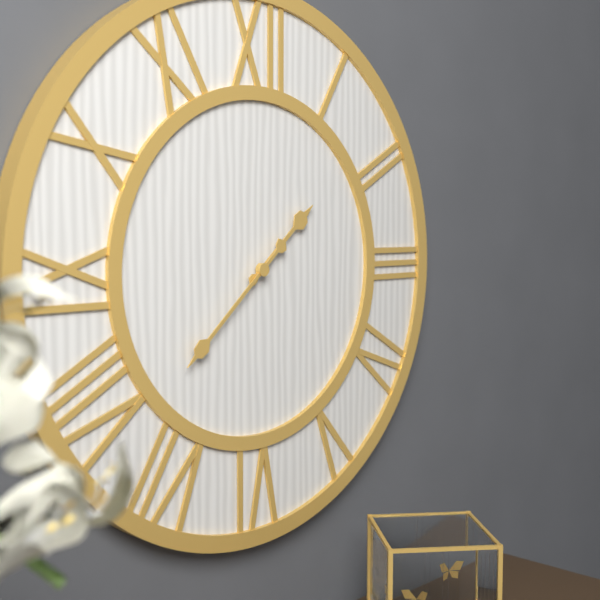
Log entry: 1:38
